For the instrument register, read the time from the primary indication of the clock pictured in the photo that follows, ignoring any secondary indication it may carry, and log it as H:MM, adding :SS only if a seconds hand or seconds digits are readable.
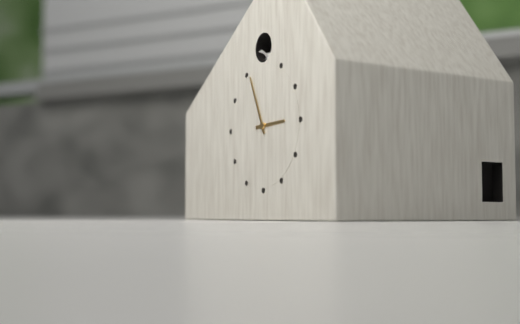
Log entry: 2:56
